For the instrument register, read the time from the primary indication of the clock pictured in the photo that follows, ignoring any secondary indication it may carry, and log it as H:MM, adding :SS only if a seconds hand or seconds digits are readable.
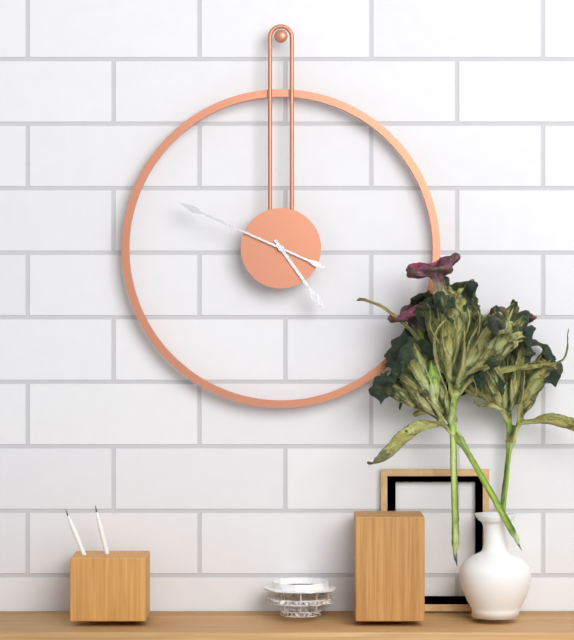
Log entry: 4:49
